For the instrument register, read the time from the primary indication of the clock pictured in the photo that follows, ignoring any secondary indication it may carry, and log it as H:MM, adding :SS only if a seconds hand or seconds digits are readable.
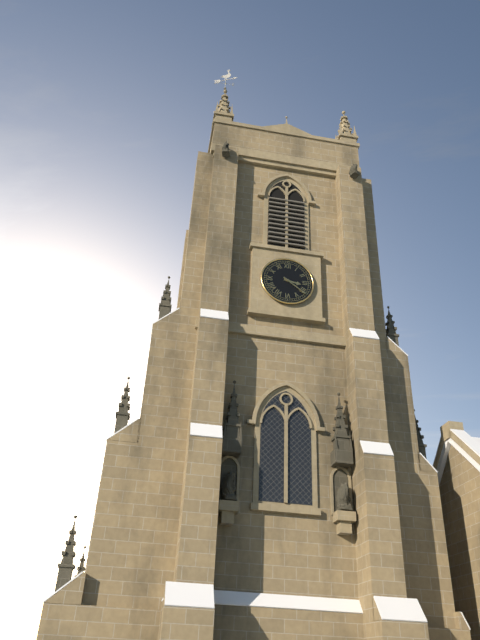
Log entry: 3:21
